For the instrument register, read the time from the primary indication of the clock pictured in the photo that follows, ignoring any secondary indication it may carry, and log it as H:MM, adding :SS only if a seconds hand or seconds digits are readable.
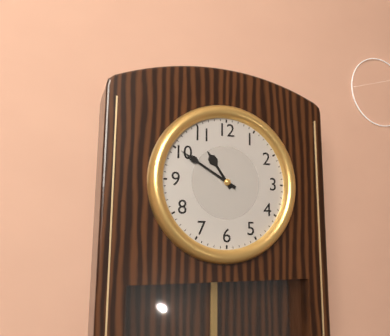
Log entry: 10:50
